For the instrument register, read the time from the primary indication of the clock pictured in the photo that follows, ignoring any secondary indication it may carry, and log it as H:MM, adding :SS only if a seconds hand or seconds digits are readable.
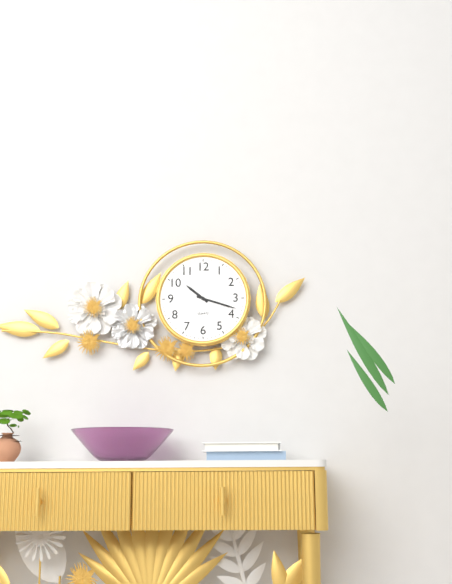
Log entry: 10:18
